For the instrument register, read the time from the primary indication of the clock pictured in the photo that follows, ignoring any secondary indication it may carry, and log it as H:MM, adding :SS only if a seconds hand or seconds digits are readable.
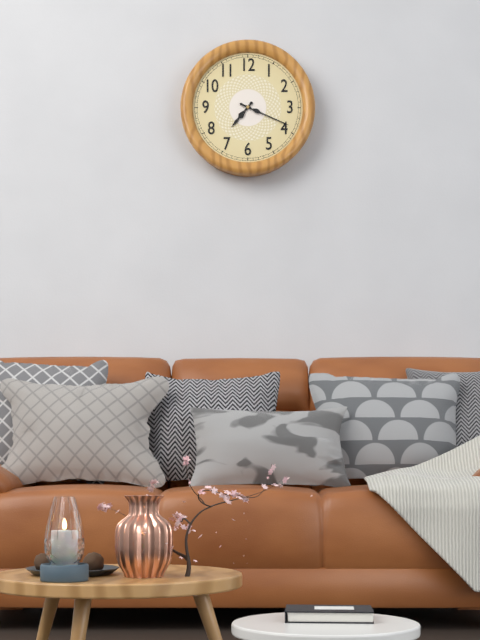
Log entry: 7:19
